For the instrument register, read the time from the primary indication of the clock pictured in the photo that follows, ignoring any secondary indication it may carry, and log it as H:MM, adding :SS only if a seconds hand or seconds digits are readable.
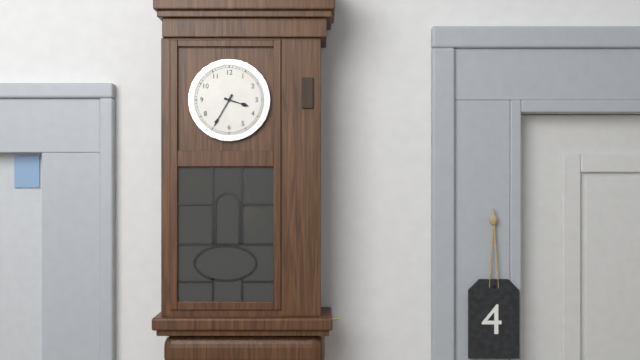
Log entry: 3:35
